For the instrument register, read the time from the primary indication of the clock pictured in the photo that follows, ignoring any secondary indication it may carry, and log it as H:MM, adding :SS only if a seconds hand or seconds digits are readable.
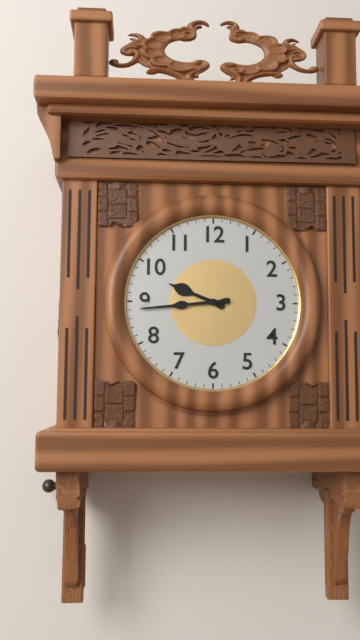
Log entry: 9:44
